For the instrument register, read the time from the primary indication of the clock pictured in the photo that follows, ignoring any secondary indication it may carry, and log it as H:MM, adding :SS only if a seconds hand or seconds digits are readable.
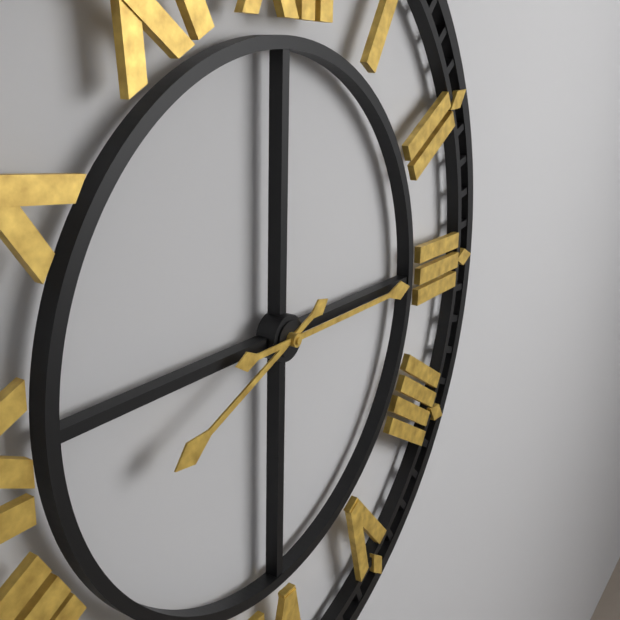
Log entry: 8:15
